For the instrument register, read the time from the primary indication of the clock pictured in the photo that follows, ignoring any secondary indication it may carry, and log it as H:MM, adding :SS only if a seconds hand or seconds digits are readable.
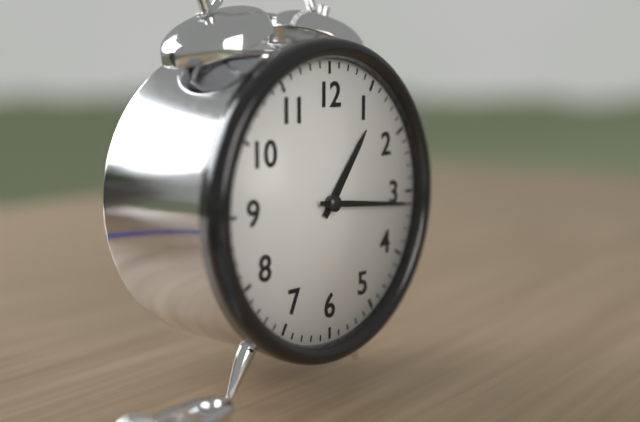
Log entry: 1:16
